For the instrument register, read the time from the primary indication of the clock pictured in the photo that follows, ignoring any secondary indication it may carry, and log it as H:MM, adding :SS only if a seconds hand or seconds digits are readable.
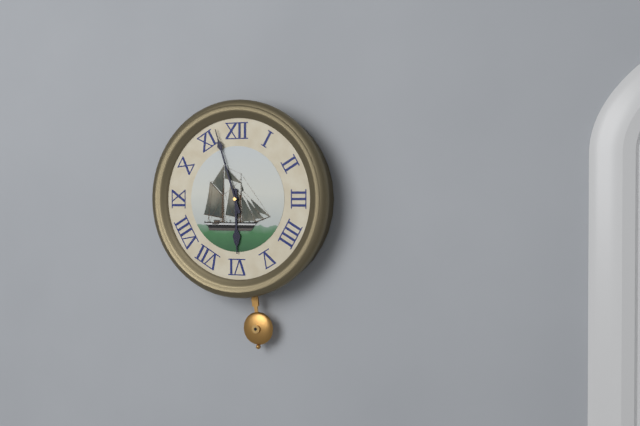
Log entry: 5:57
